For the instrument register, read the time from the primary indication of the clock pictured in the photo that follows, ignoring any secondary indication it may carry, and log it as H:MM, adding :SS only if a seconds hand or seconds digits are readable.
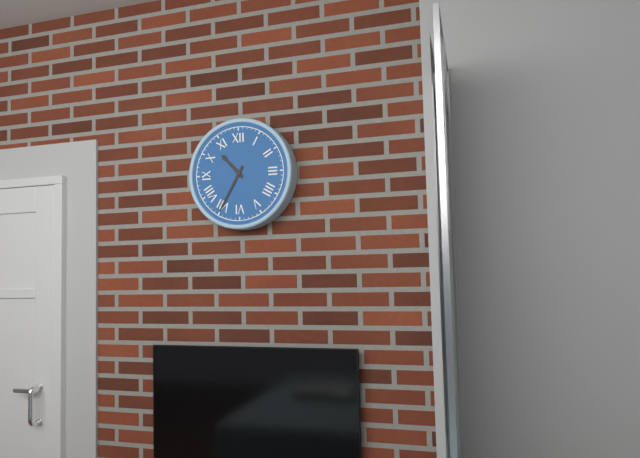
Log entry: 10:35
